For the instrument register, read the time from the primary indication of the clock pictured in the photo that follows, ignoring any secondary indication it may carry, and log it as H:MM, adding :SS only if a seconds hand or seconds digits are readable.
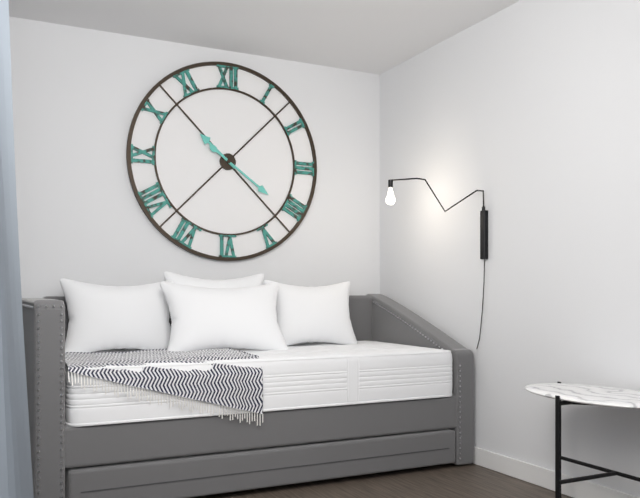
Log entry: 10:21
